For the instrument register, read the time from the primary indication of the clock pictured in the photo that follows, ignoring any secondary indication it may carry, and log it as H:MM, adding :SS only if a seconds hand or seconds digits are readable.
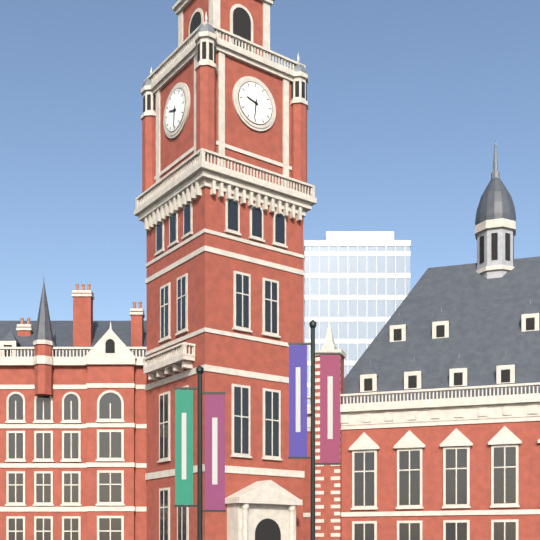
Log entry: 9:31
